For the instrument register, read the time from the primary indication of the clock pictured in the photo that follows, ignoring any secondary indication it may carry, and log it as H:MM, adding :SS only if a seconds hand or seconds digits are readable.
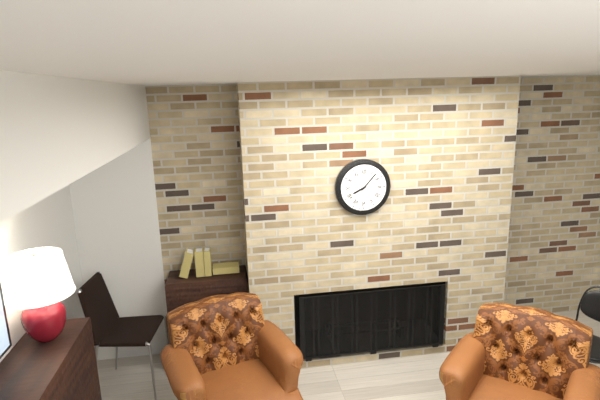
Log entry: 8:07
